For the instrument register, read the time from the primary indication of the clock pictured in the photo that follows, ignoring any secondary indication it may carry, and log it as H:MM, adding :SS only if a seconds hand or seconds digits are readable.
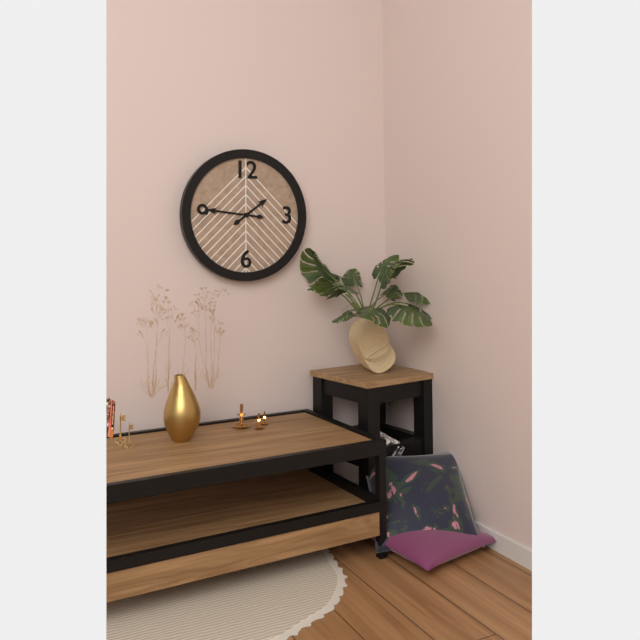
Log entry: 1:46
